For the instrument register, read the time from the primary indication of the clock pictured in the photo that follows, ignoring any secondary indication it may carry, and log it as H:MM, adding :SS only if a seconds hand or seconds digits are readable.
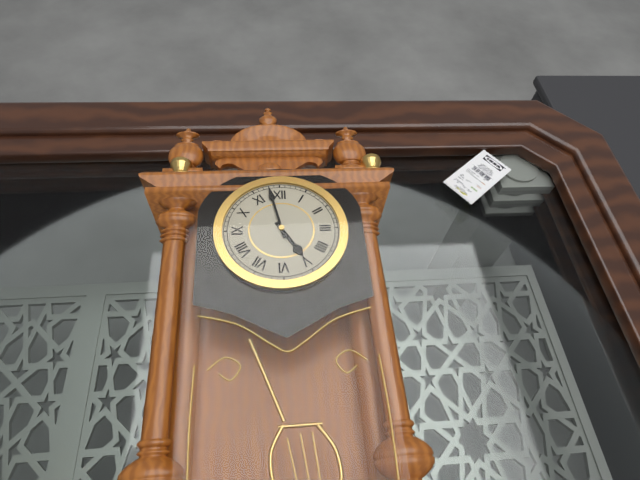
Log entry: 4:58
